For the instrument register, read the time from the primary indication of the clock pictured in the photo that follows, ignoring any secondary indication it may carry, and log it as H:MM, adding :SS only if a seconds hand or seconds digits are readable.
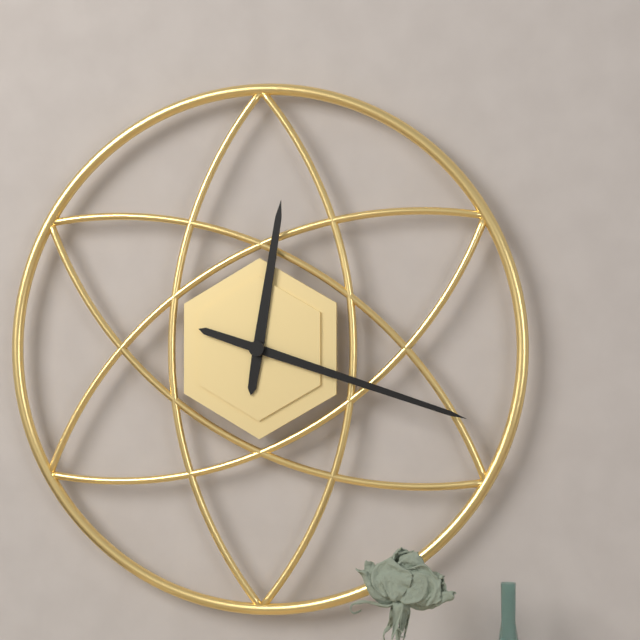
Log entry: 12:18
